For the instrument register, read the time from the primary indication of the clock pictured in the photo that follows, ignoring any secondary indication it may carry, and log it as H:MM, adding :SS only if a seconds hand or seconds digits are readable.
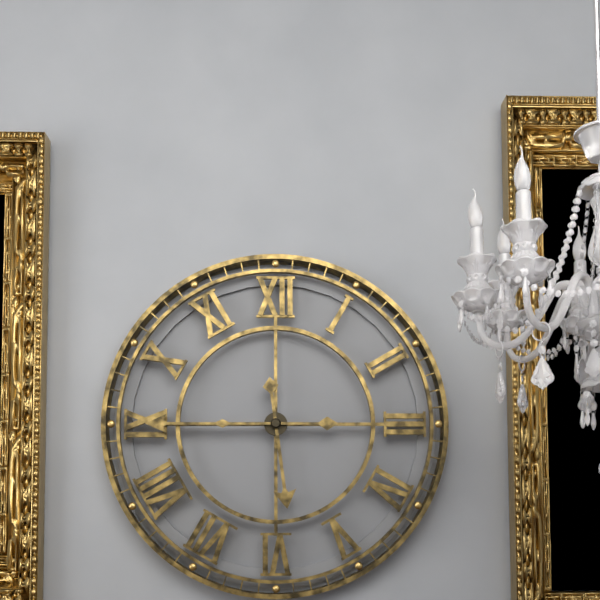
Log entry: 5:45
